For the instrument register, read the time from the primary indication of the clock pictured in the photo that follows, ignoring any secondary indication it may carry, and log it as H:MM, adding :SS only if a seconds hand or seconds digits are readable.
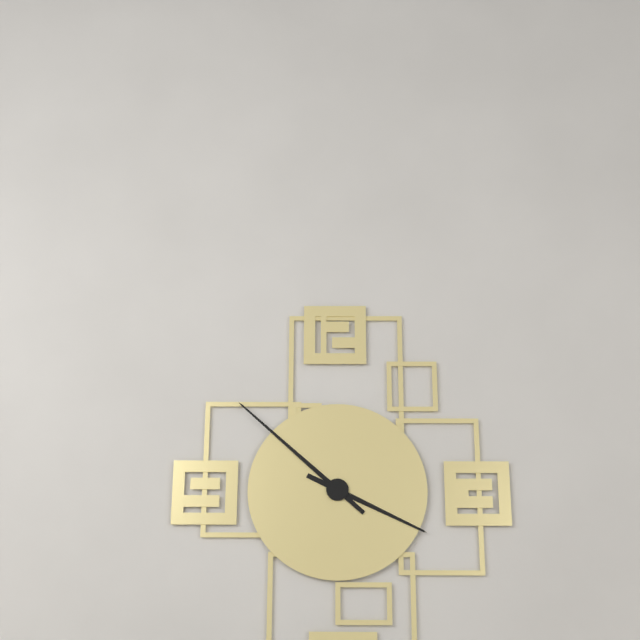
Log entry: 3:52
